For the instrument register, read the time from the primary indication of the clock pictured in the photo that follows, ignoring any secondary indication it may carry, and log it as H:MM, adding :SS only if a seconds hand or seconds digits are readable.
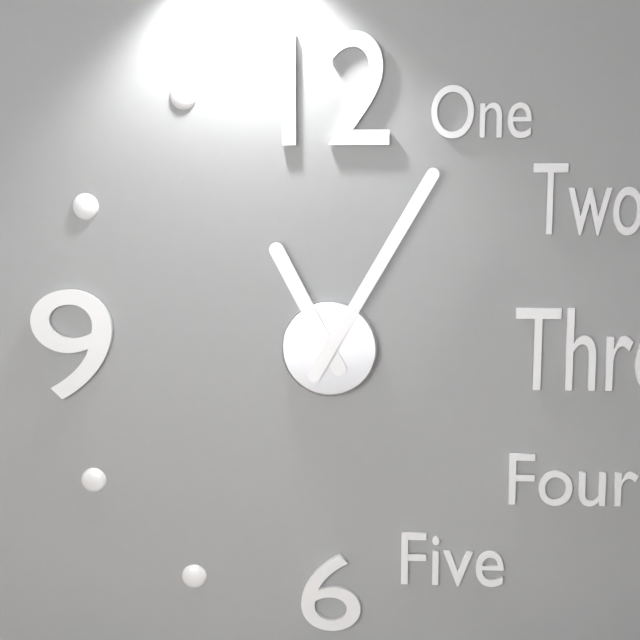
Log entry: 11:05
